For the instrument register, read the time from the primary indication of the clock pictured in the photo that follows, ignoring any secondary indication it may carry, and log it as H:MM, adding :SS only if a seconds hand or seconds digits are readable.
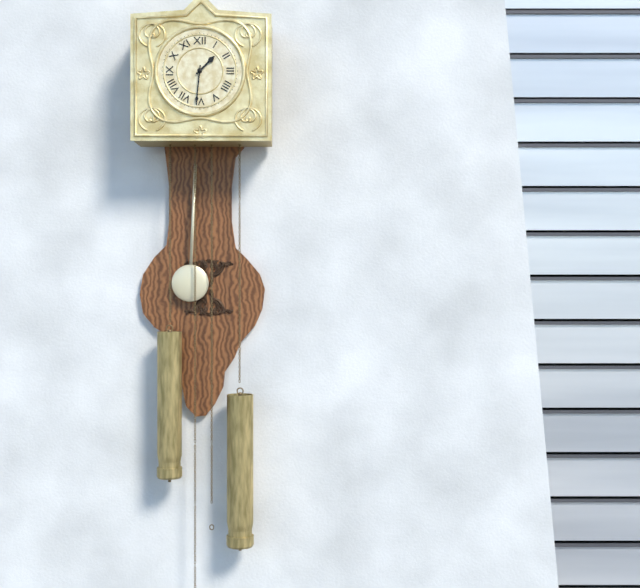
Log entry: 1:31
